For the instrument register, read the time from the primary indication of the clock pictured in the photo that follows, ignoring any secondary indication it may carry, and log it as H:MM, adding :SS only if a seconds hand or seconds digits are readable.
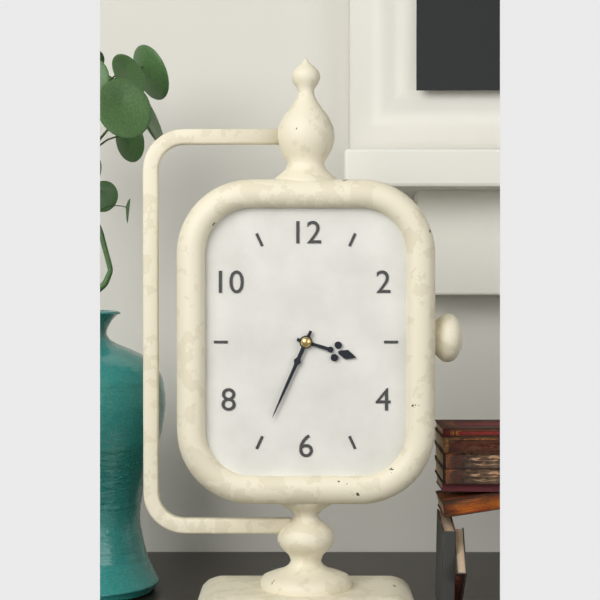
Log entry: 3:34
